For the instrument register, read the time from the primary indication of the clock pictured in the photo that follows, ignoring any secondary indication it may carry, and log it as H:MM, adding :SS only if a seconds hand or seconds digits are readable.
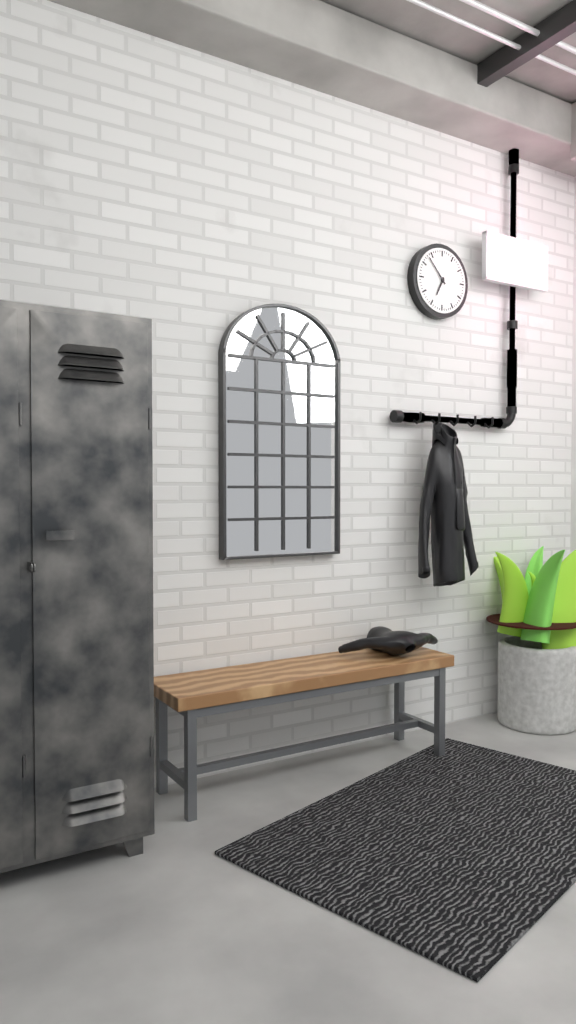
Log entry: 6:53
